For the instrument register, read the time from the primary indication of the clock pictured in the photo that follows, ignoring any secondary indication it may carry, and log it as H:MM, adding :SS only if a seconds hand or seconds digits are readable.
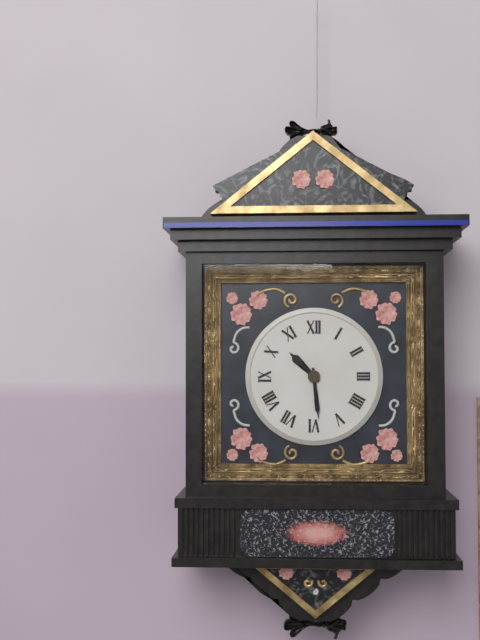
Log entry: 10:29
